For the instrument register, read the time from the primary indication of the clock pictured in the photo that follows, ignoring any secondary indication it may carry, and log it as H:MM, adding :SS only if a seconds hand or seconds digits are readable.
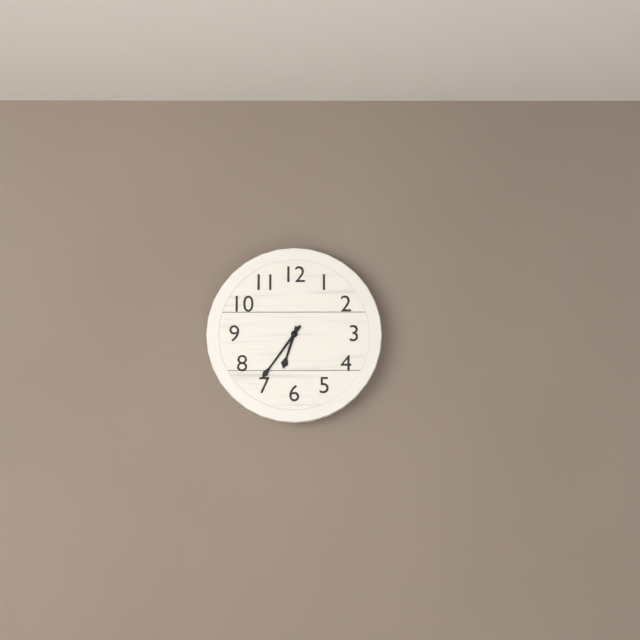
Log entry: 6:36
